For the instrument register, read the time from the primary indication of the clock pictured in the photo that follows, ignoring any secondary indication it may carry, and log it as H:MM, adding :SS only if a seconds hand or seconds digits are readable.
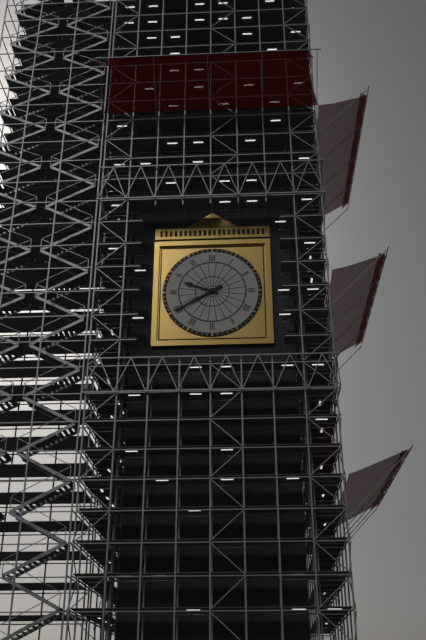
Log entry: 9:40
